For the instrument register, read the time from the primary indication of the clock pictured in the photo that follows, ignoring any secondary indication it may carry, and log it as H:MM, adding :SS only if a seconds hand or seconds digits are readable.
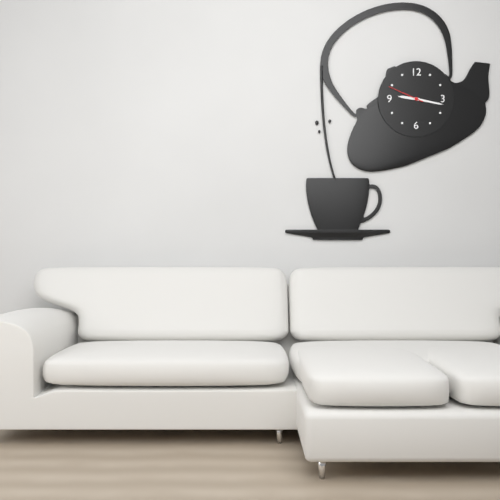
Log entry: 9:17
